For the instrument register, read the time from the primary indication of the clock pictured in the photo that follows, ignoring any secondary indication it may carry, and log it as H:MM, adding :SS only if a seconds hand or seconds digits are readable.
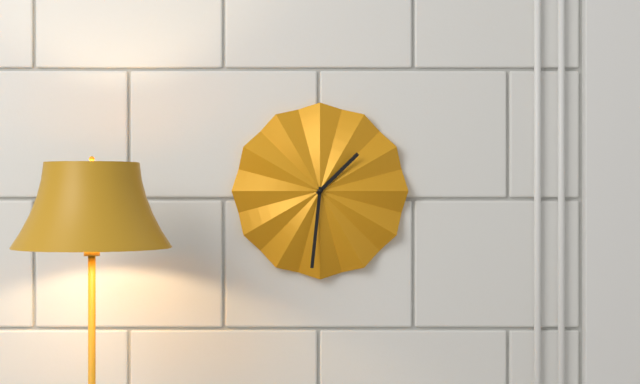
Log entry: 1:31
